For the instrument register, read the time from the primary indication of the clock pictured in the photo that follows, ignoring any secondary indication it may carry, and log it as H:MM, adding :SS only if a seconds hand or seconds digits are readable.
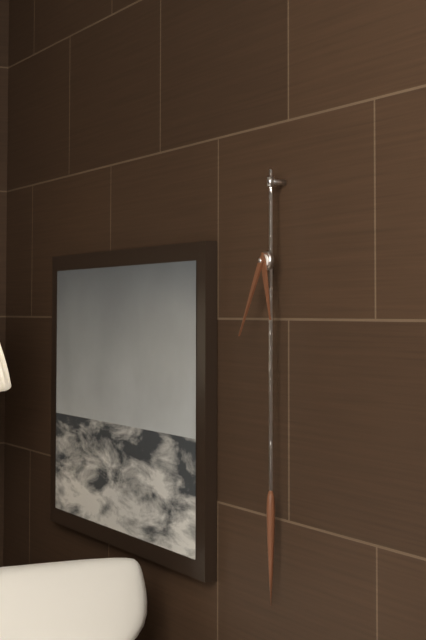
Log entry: 5:35
